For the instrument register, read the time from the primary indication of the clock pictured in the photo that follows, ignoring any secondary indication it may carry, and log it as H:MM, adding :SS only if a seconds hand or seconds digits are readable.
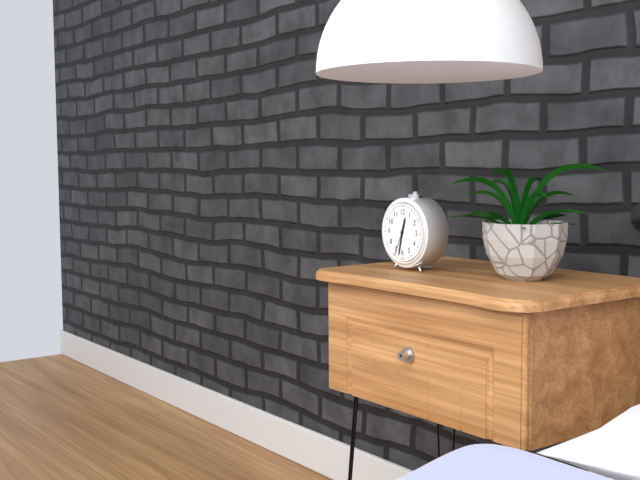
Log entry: 12:32
